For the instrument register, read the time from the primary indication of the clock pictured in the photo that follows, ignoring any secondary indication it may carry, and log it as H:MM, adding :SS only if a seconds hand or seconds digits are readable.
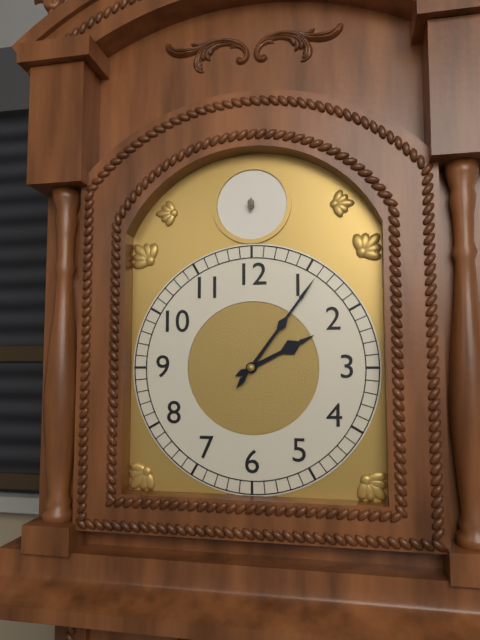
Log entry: 2:06
